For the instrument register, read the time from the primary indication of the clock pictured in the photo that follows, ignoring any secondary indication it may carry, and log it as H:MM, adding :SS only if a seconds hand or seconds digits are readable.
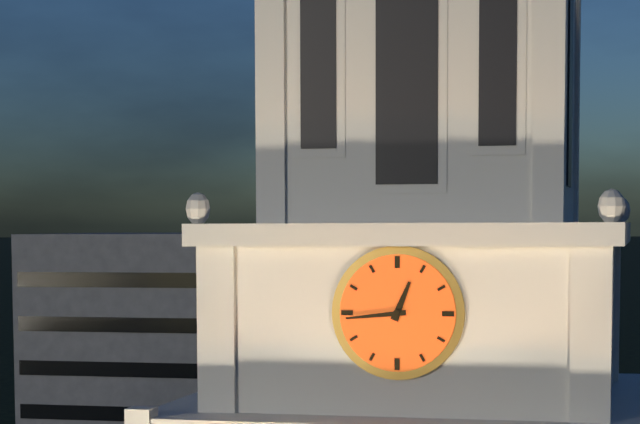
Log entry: 12:44
